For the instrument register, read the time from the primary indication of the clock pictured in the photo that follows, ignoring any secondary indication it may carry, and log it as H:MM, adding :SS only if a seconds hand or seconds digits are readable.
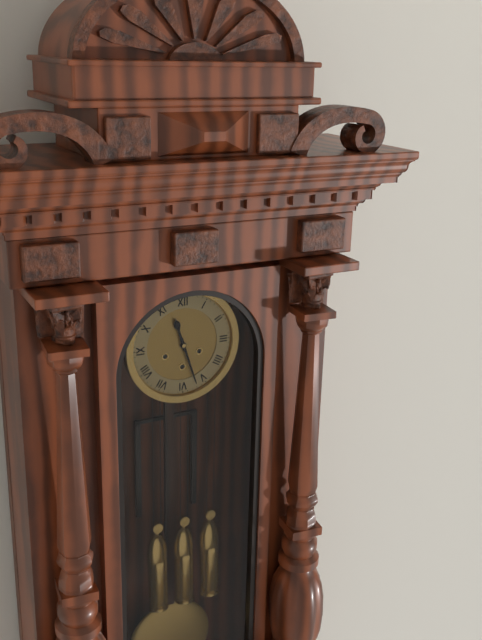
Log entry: 11:27
